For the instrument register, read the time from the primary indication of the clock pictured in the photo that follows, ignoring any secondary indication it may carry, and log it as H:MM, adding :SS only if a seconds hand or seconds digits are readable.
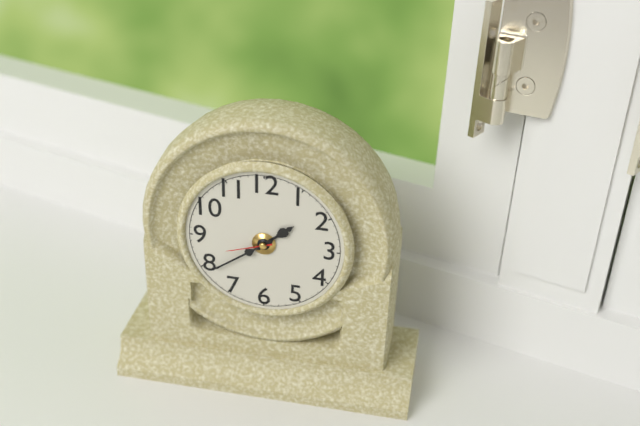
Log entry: 1:39
